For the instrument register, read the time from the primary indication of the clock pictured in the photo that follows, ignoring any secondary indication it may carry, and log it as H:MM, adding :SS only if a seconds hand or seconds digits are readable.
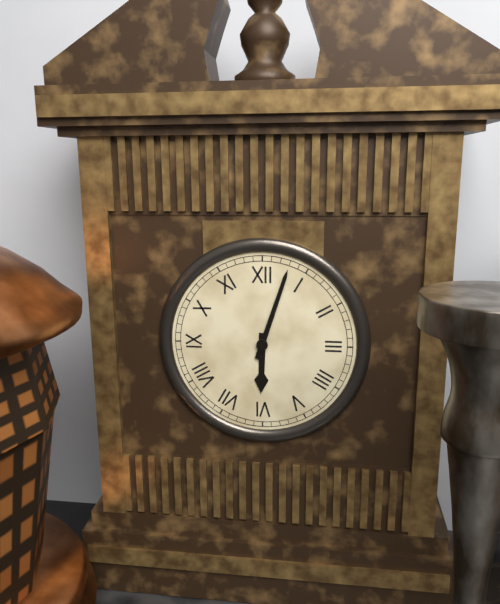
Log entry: 6:03
